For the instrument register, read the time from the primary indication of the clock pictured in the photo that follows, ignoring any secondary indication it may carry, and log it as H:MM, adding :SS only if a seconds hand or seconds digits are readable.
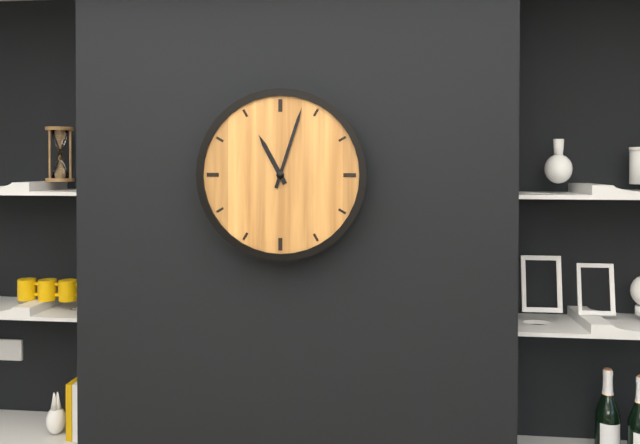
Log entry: 11:03
